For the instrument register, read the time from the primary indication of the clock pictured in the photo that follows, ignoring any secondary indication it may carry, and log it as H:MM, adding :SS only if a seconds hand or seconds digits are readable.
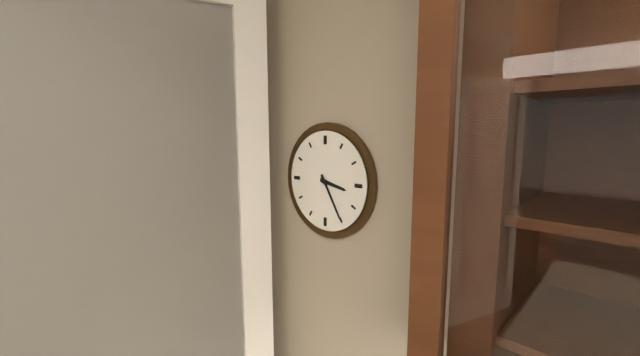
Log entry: 3:25
